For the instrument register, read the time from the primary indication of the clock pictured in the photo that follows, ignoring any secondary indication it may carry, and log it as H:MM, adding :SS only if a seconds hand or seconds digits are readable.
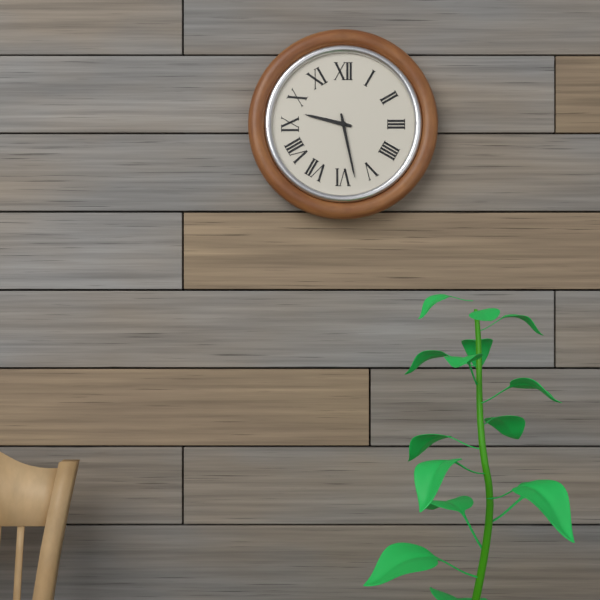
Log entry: 9:28
